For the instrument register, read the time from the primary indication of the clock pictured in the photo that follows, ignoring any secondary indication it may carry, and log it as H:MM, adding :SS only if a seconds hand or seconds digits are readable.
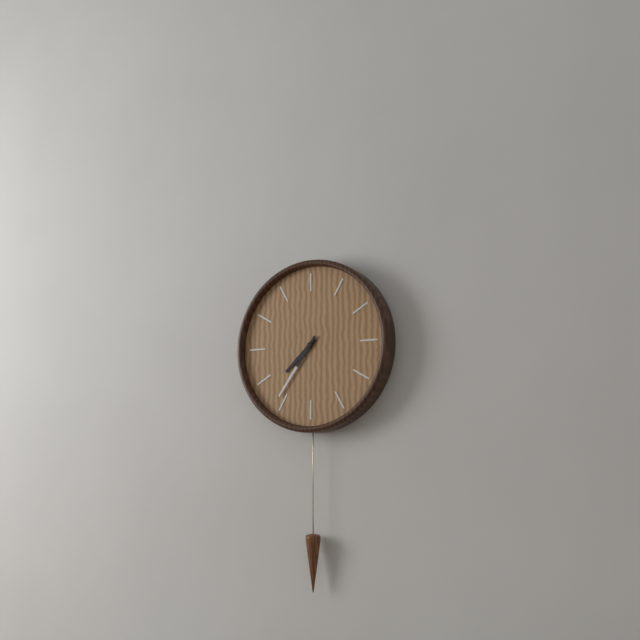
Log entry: 7:36
